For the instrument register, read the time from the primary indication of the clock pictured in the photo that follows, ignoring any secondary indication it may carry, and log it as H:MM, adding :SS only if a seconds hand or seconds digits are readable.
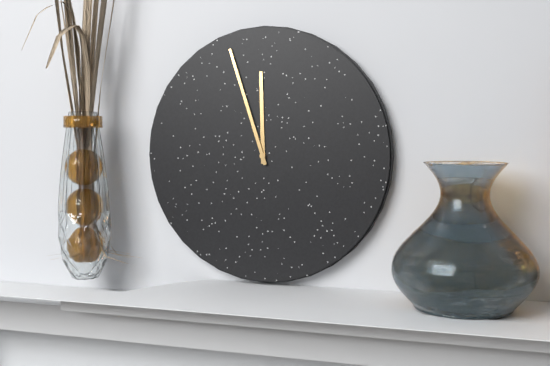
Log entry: 11:57
